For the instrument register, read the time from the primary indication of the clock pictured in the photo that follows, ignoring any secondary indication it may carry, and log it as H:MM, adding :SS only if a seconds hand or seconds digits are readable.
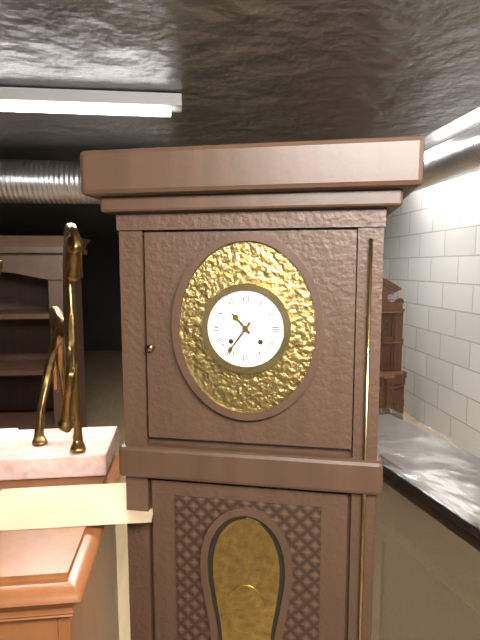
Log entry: 10:36
